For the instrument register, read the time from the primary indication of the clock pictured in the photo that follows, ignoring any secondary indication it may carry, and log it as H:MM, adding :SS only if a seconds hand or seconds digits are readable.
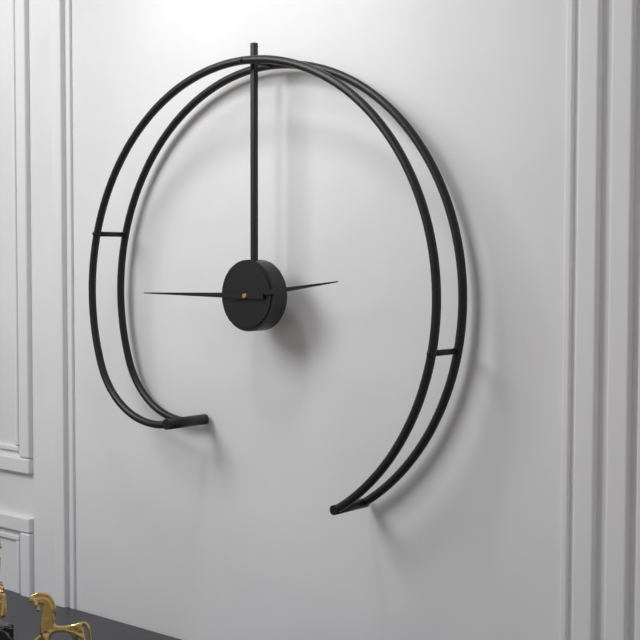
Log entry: 2:45
